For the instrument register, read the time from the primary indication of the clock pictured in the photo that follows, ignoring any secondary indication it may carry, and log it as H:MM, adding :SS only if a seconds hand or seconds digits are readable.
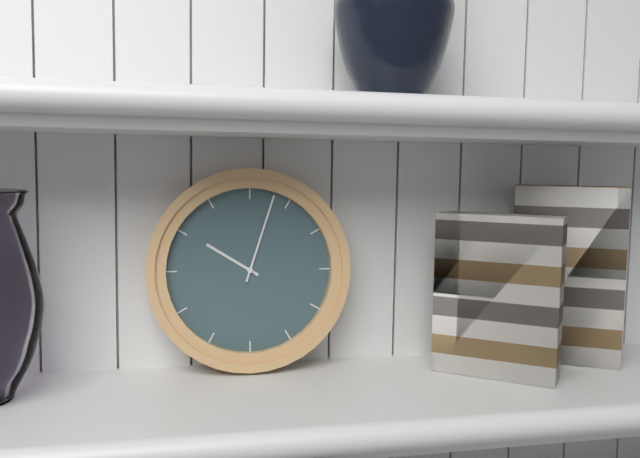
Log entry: 10:03
